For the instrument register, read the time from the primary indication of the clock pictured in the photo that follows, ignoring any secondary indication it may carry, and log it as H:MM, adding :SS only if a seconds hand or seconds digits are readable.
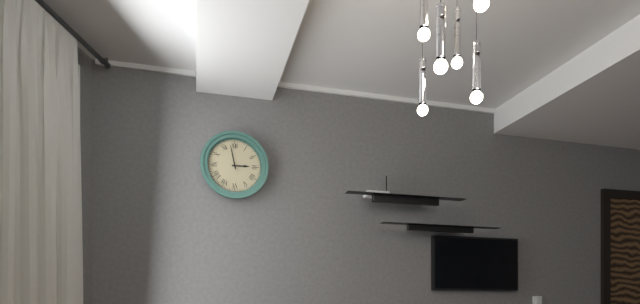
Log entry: 2:58
